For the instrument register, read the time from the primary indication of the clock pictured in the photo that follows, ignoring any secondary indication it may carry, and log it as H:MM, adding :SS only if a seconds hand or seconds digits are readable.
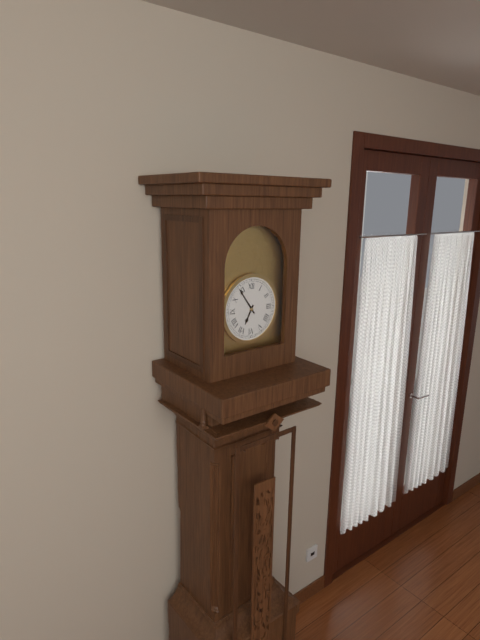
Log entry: 6:54
